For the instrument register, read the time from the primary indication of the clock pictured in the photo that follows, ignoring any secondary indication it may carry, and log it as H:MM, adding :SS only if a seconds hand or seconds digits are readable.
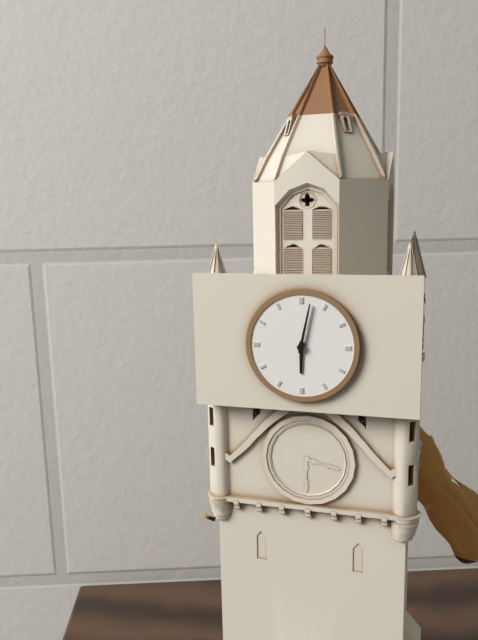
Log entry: 6:02
